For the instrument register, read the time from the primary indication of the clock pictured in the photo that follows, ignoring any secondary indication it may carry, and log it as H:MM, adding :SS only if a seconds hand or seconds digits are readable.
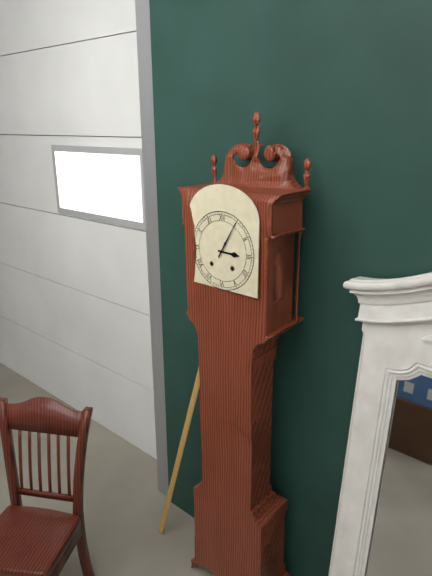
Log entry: 3:05
